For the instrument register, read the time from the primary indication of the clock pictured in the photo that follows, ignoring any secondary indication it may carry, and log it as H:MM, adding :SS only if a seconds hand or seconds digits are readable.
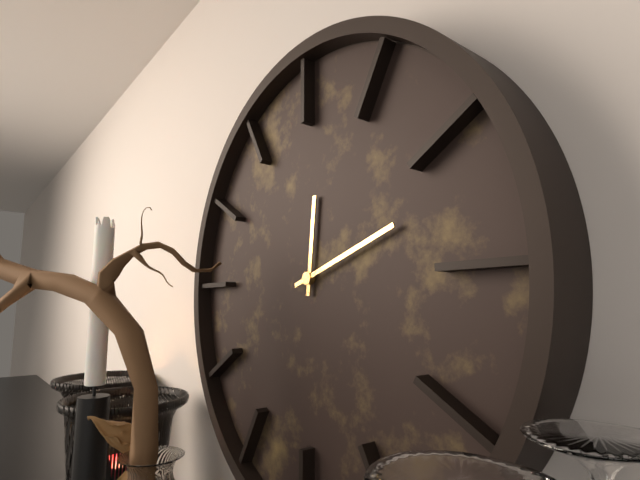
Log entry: 12:12
